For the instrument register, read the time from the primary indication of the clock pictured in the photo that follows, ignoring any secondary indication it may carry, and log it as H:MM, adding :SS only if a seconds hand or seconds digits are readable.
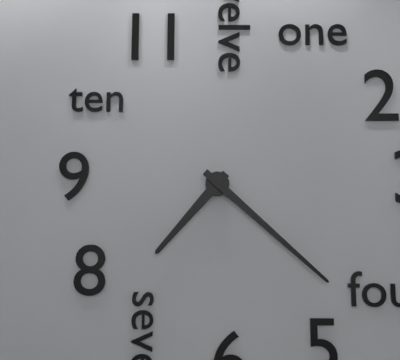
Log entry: 7:22
